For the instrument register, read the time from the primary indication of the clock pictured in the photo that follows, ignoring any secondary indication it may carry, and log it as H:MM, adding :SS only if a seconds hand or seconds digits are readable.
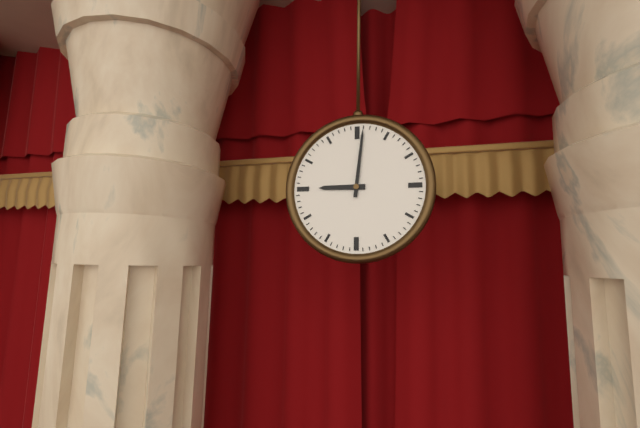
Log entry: 9:01
